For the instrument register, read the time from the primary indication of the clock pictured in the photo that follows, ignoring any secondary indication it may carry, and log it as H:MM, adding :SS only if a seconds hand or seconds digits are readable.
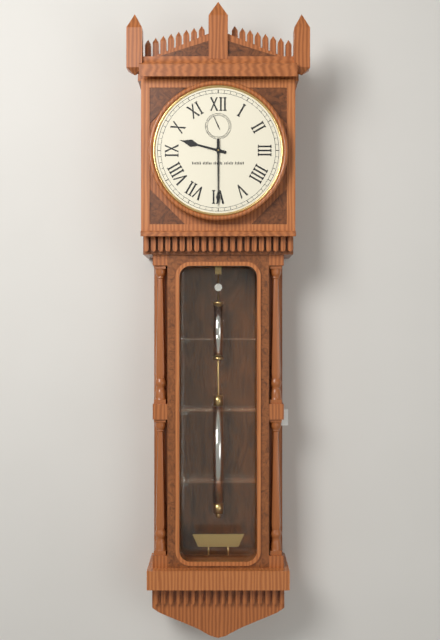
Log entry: 9:30
